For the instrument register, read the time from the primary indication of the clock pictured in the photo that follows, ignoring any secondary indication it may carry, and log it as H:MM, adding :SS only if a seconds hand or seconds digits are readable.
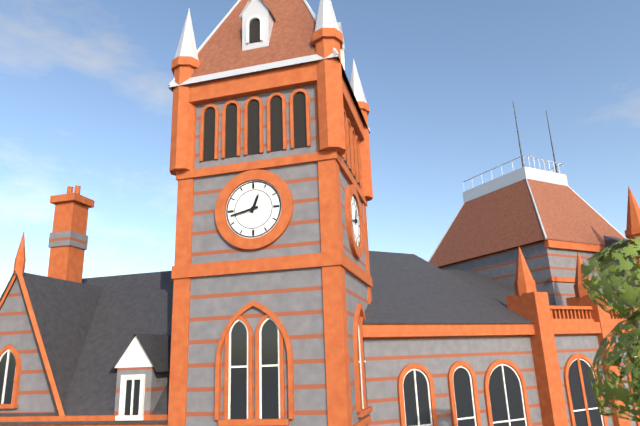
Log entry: 12:43
